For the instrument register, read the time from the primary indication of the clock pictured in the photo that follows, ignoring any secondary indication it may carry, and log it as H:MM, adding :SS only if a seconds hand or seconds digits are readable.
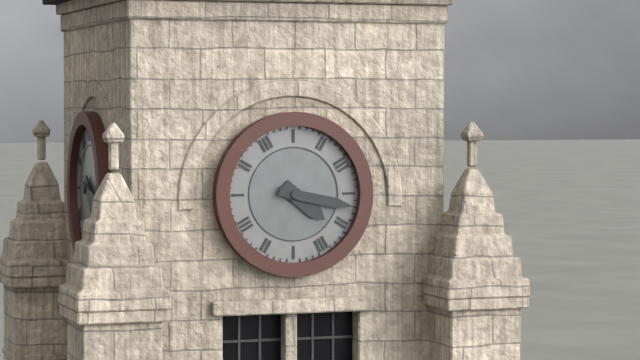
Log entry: 4:17
